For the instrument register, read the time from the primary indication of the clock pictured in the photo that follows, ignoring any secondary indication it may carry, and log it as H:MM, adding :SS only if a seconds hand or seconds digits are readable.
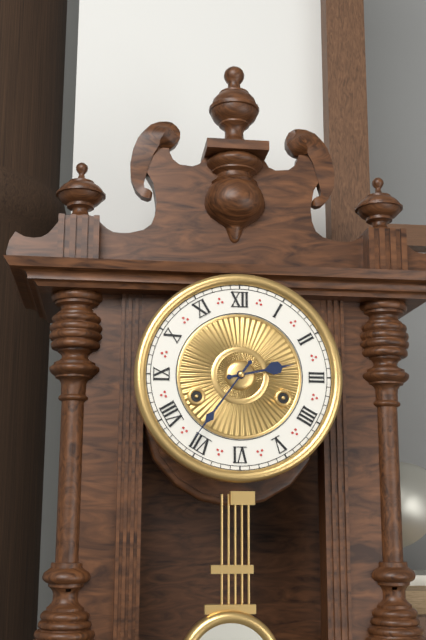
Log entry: 2:36
